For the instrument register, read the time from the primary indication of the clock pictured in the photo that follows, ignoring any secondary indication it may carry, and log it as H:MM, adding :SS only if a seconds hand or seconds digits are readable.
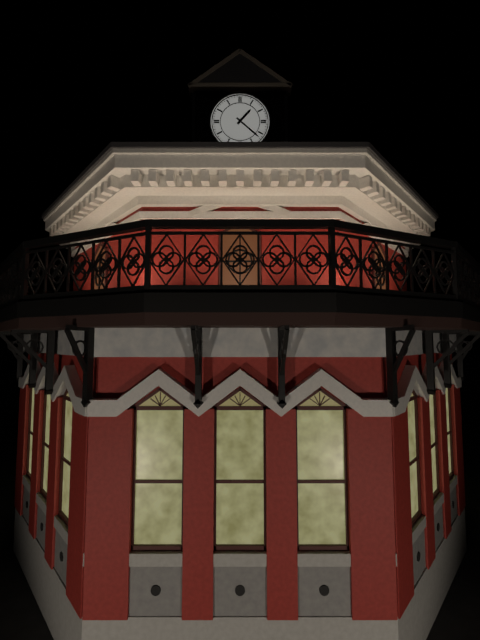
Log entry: 1:22
